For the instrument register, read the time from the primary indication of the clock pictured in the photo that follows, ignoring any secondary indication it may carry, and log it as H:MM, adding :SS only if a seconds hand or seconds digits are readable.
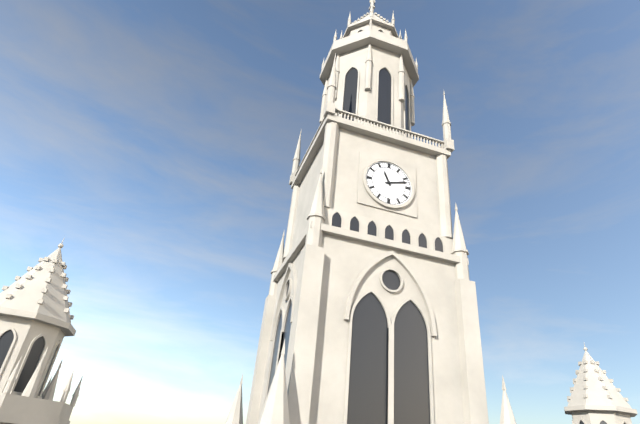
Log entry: 11:12
